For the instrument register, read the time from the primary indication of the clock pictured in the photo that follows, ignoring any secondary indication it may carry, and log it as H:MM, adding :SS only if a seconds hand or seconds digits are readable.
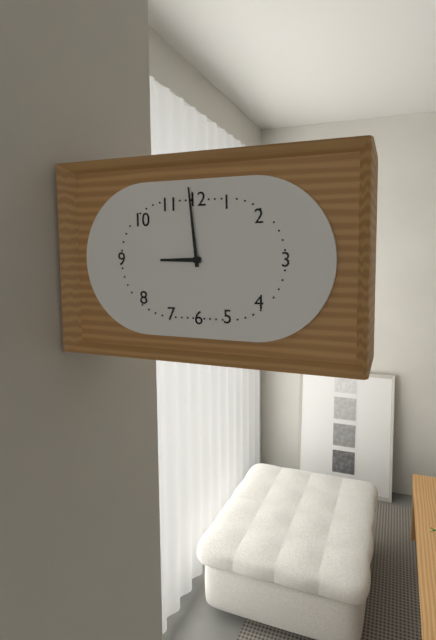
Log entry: 8:59
